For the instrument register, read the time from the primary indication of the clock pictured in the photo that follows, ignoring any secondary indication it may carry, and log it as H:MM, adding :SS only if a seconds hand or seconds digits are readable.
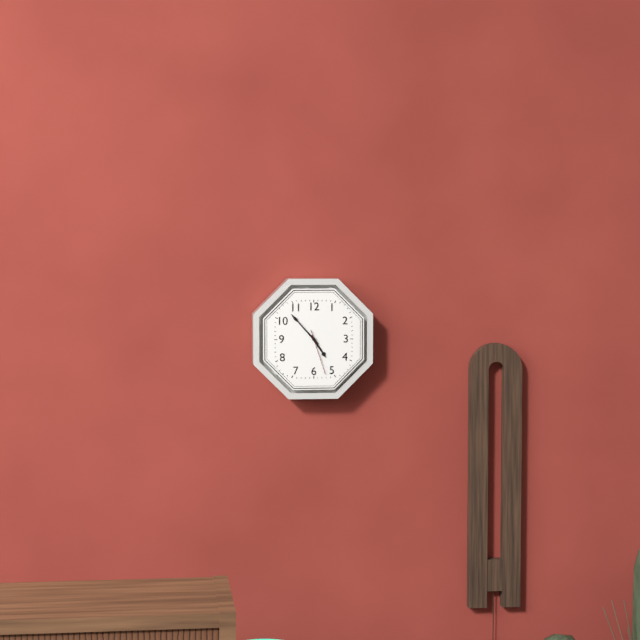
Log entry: 4:53
